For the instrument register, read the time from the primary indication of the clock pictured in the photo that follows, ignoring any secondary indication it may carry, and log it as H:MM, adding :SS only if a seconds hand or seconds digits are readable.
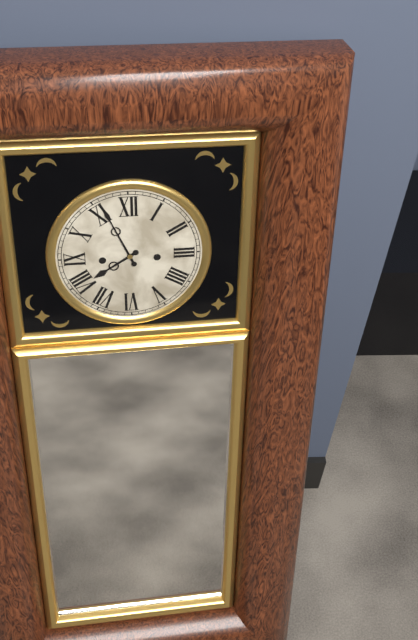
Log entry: 7:56
